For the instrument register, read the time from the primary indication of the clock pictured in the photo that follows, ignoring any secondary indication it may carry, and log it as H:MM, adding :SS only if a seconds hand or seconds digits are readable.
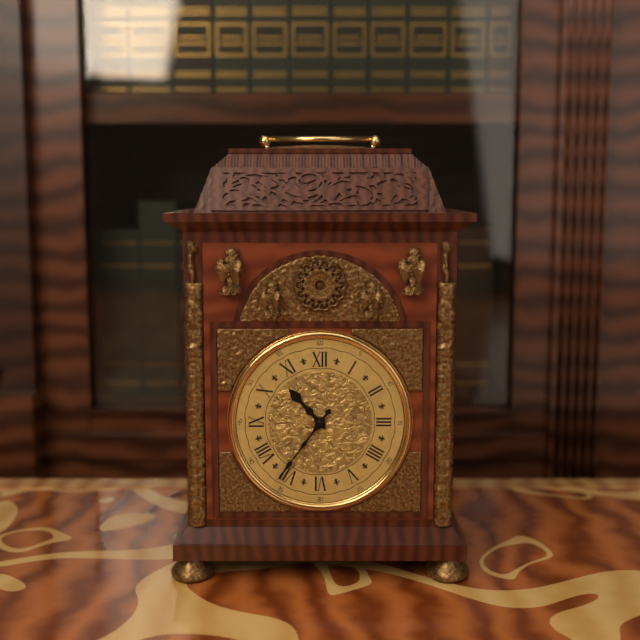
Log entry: 10:36
